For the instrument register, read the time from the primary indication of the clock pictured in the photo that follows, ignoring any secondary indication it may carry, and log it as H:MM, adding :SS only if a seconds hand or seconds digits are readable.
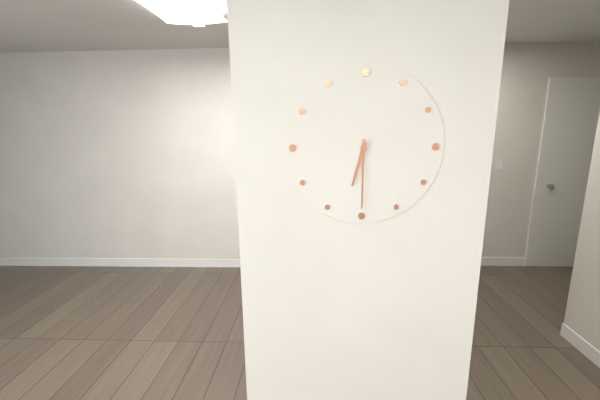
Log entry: 6:30
